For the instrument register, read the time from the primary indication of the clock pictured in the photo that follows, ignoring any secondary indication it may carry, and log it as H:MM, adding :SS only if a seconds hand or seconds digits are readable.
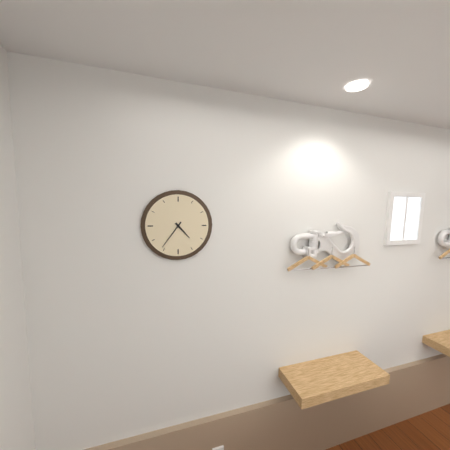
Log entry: 4:36
